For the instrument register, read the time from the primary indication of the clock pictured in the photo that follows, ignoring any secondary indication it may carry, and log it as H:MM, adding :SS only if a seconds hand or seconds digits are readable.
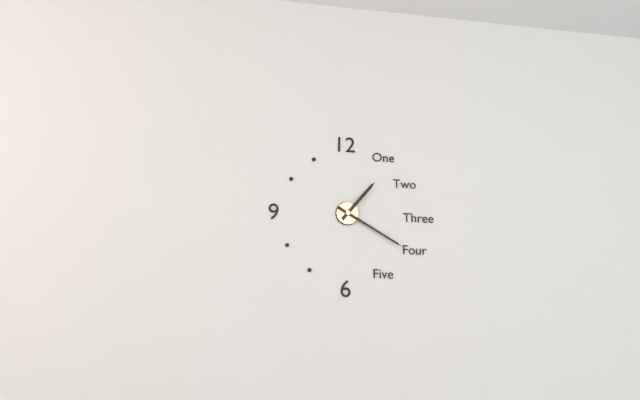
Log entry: 1:20
